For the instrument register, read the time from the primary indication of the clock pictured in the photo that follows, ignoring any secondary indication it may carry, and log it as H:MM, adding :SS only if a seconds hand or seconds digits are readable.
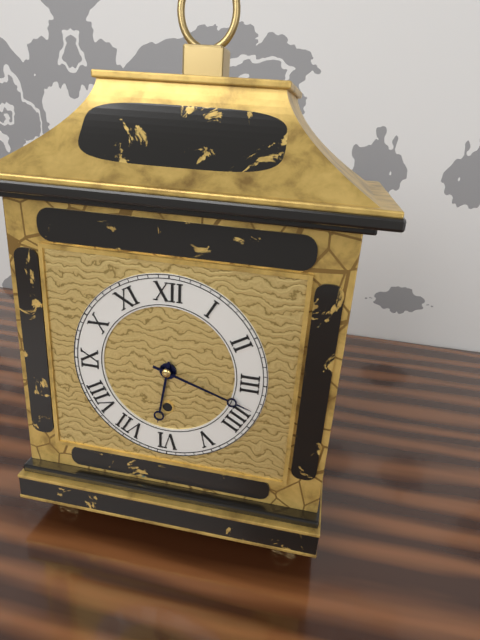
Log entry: 6:18
